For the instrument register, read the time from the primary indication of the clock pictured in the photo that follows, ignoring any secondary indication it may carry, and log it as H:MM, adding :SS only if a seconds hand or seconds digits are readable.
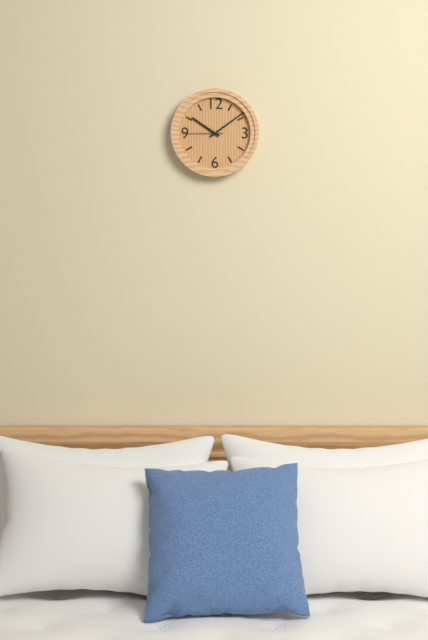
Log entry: 10:09
